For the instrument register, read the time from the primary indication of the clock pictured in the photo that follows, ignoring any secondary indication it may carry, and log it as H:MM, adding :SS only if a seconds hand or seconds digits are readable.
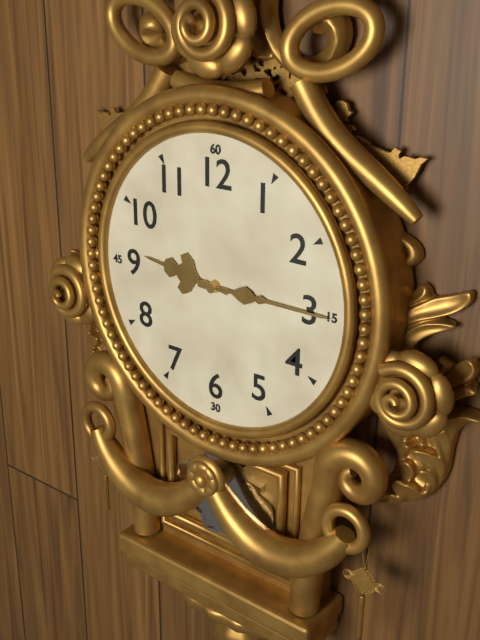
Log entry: 9:15
